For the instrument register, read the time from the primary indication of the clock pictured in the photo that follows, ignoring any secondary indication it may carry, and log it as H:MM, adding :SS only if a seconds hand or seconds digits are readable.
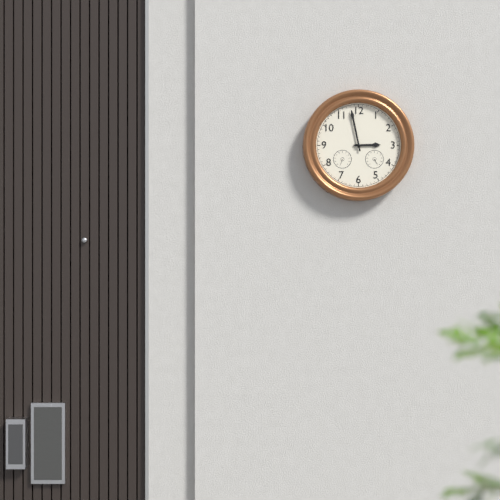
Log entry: 2:58
